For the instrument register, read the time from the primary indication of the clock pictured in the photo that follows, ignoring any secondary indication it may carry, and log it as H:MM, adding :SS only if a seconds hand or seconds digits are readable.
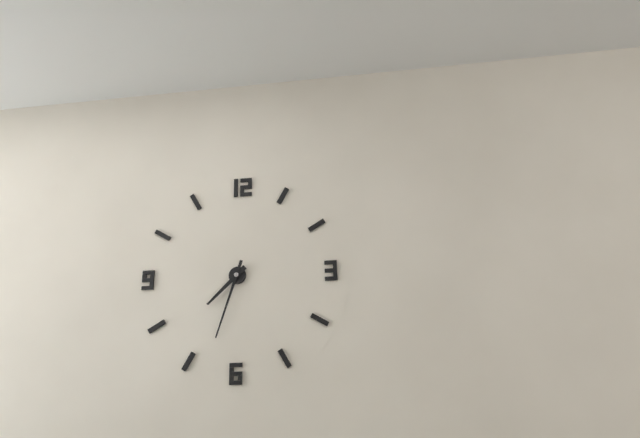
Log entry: 7:33
